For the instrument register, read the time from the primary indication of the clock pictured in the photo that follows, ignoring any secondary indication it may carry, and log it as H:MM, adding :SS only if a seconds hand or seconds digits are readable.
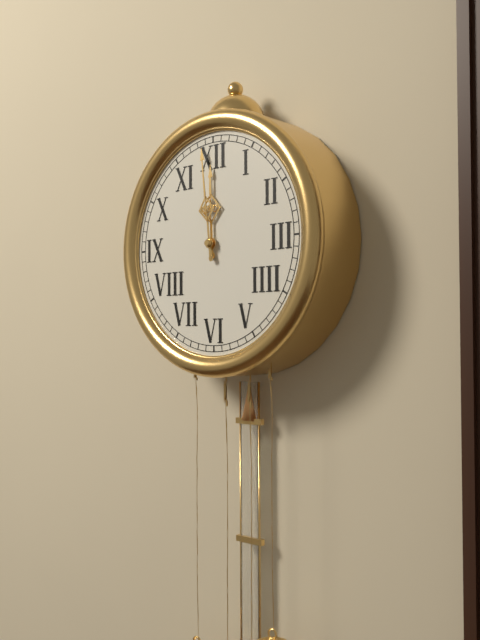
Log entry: 11:59
